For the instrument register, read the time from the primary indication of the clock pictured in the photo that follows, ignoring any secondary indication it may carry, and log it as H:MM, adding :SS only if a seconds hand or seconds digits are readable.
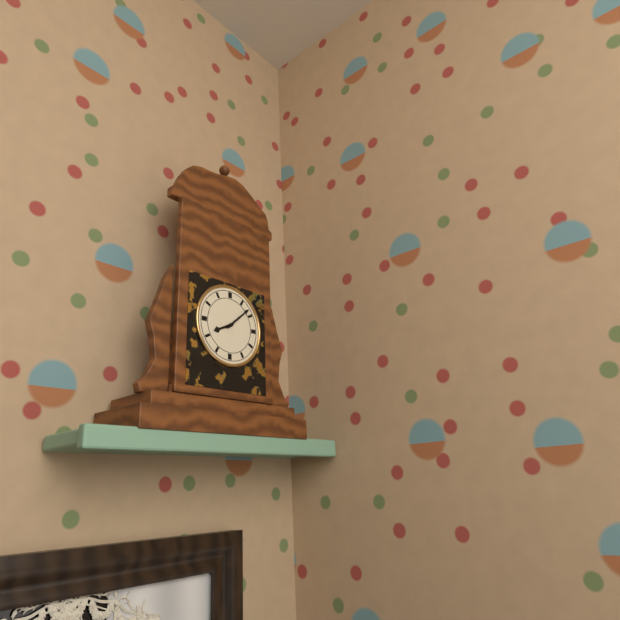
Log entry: 8:08
